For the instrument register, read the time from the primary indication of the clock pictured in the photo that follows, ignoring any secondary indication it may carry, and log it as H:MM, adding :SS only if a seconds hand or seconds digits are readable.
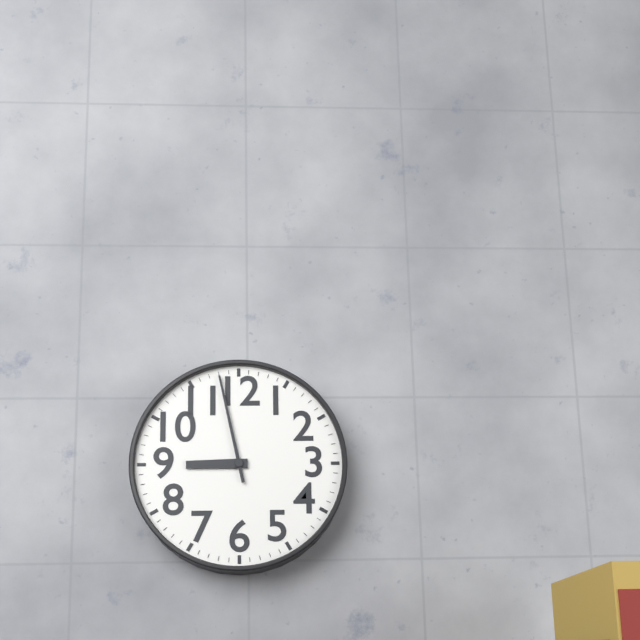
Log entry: 8:58
